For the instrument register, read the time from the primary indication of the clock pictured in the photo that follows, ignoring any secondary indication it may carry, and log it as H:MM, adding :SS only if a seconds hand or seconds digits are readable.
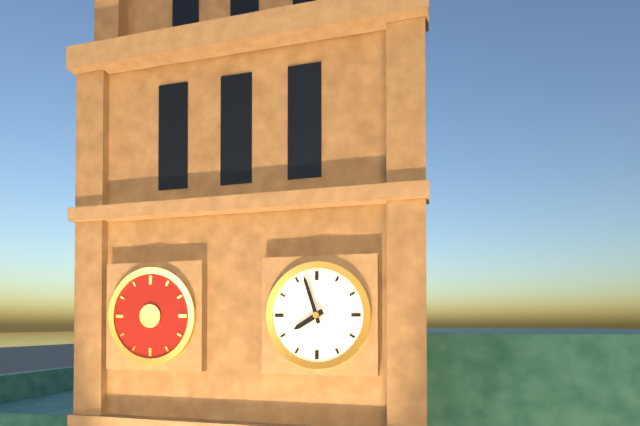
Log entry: 7:57
